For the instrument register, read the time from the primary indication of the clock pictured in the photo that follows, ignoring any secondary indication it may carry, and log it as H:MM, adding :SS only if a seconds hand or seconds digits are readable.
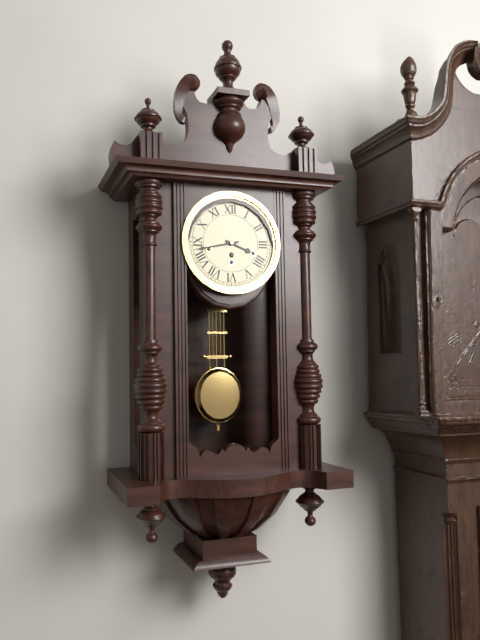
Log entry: 3:43
